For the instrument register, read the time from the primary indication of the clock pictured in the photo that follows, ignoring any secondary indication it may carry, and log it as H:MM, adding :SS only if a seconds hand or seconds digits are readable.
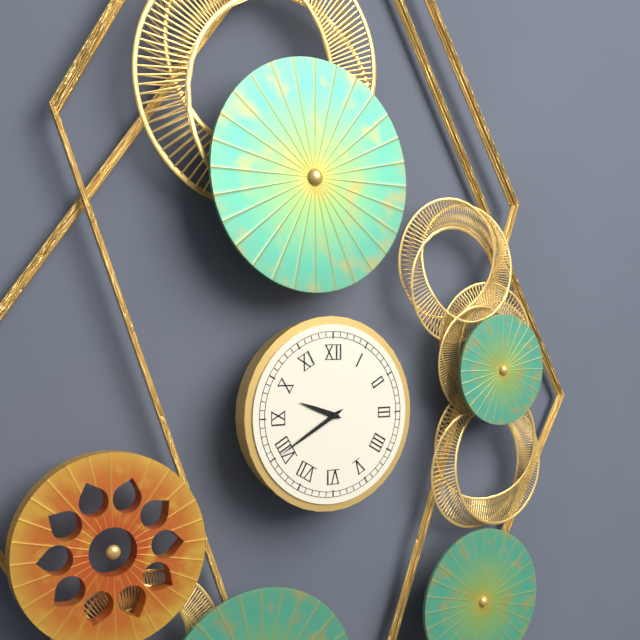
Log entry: 9:40
